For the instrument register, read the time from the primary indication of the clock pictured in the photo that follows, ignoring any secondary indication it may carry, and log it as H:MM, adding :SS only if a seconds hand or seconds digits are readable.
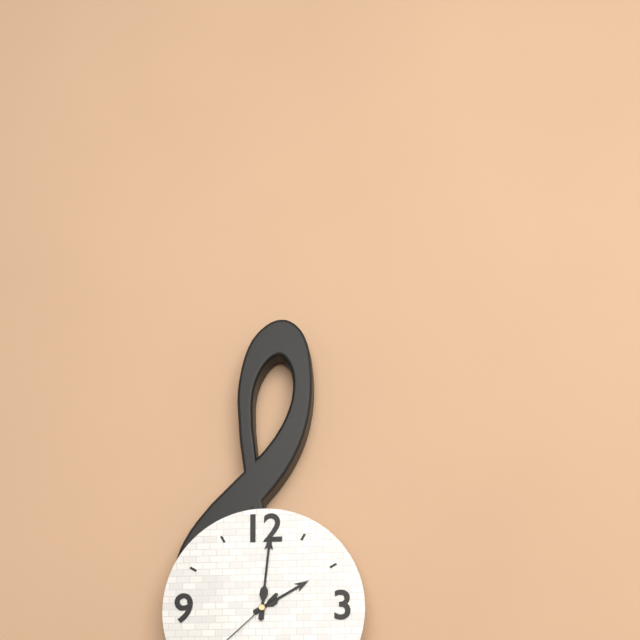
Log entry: 2:01
